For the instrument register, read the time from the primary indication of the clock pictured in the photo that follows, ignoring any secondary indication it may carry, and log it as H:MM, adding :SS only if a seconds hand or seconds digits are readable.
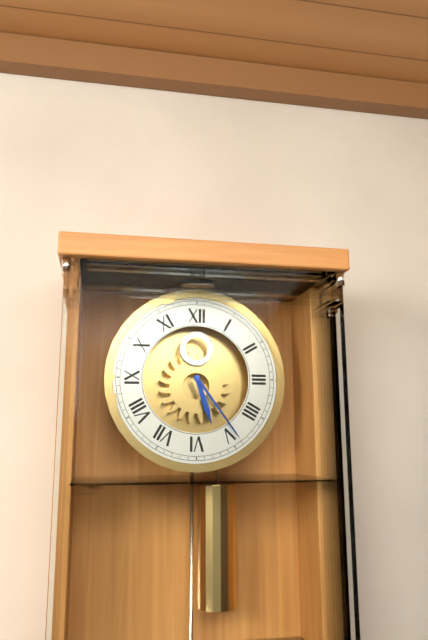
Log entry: 5:24
